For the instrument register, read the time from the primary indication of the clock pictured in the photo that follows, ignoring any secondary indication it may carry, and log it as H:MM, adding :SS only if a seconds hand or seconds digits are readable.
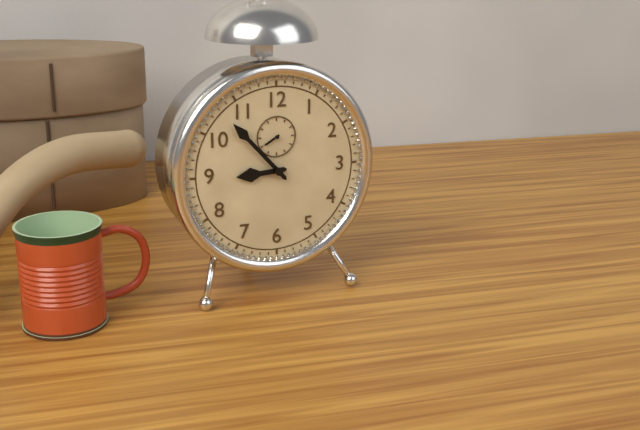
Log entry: 8:53
